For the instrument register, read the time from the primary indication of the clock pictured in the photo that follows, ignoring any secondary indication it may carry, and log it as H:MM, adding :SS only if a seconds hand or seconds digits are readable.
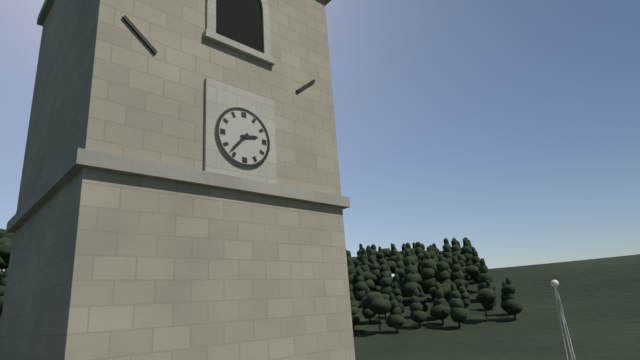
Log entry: 2:37
